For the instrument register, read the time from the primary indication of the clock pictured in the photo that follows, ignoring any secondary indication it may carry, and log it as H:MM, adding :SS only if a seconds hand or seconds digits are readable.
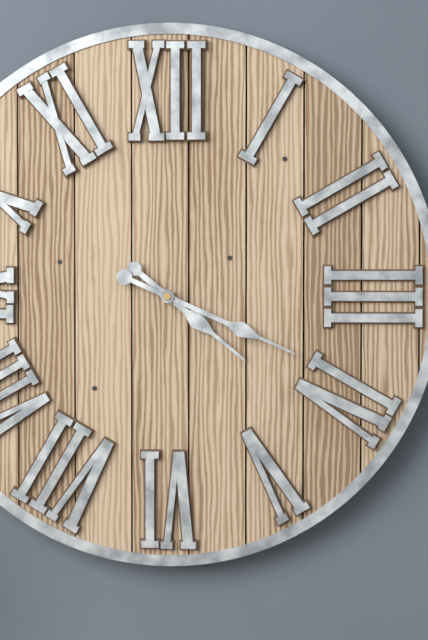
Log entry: 4:19
